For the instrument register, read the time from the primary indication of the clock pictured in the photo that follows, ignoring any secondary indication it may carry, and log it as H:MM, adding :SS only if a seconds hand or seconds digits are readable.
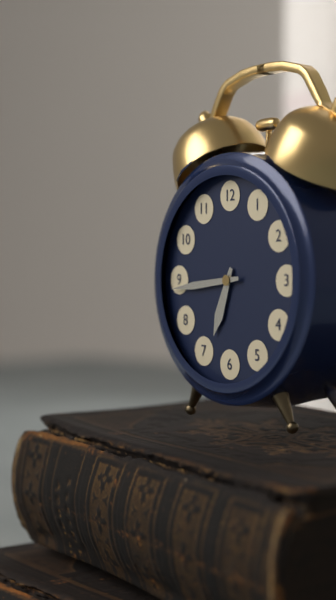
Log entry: 6:44
